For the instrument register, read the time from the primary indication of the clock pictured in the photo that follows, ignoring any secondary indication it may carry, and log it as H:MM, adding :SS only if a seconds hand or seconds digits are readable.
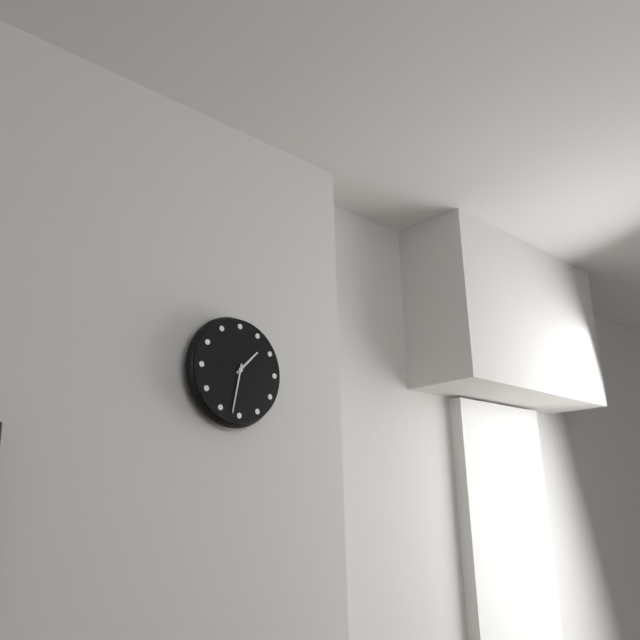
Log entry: 1:32
